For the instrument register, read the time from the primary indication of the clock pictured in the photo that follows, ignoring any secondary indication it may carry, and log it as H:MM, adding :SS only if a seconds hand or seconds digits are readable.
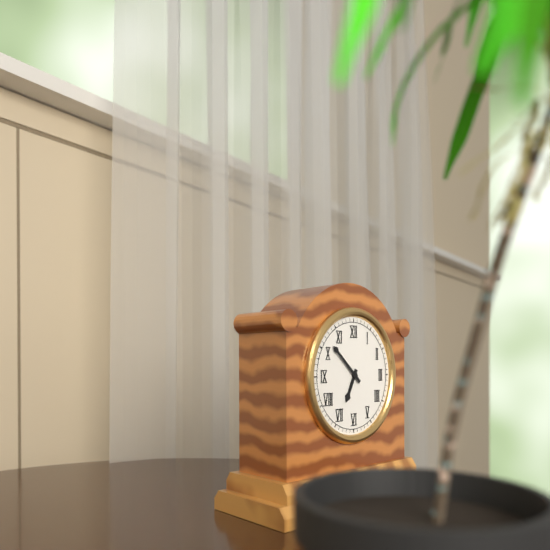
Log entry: 6:52
